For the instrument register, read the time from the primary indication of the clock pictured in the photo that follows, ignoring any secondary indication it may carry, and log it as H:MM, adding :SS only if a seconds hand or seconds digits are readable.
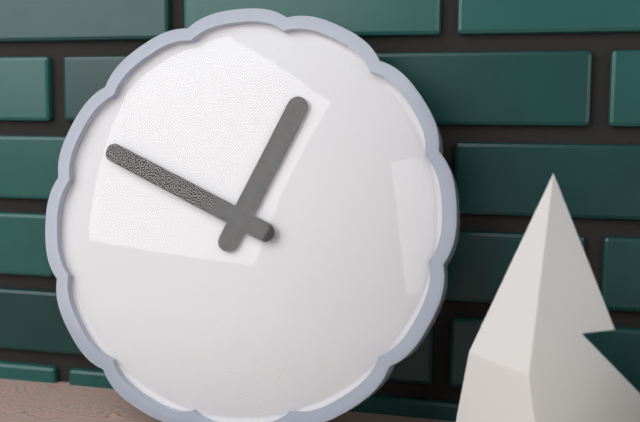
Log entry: 12:49
